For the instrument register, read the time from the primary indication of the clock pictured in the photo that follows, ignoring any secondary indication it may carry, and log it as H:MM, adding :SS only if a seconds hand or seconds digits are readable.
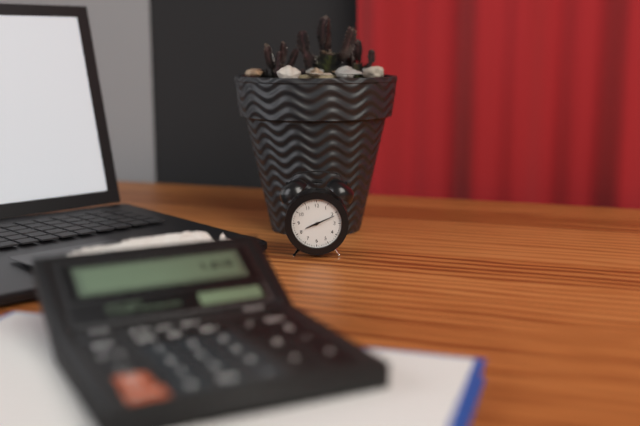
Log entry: 8:11
